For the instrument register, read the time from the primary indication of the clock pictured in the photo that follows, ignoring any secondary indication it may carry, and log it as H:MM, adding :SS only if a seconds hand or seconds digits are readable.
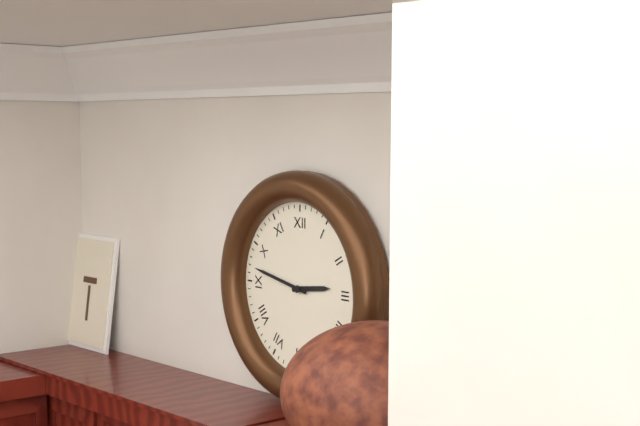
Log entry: 2:47
